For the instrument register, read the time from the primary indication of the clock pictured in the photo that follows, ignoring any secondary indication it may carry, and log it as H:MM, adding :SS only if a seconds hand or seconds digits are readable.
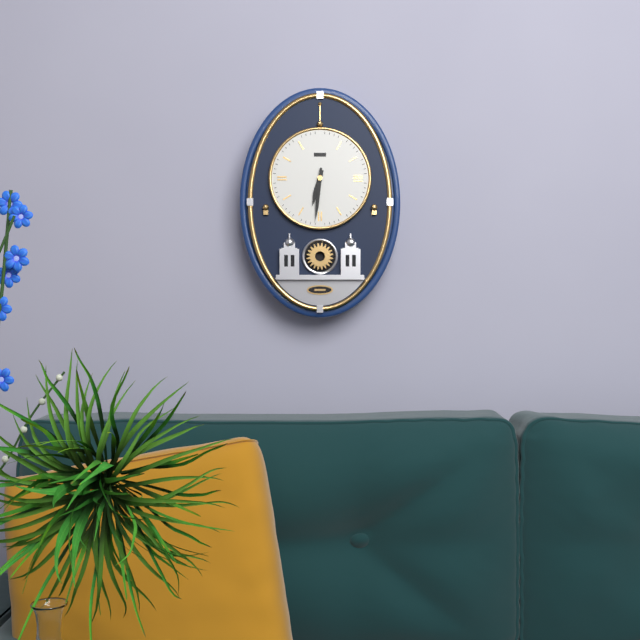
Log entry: 6:31
